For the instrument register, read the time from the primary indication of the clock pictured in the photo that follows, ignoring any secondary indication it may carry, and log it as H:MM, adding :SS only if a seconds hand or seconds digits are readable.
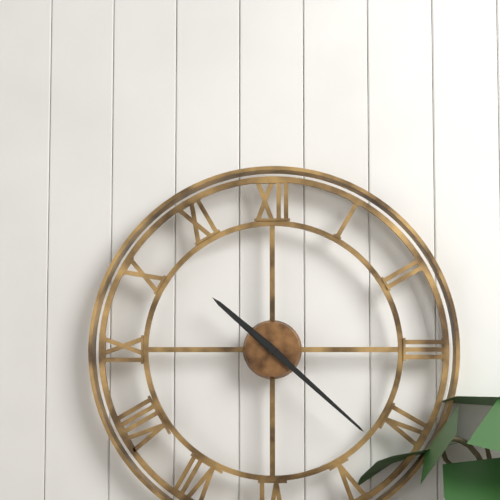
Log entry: 10:22
